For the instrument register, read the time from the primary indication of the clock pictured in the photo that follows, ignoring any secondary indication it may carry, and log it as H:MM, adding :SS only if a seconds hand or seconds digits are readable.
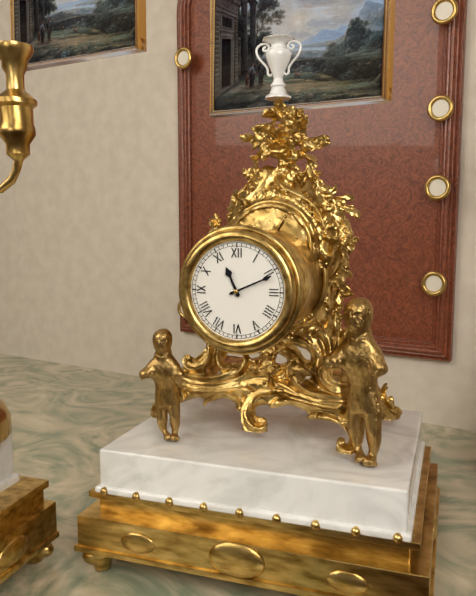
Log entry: 11:11
